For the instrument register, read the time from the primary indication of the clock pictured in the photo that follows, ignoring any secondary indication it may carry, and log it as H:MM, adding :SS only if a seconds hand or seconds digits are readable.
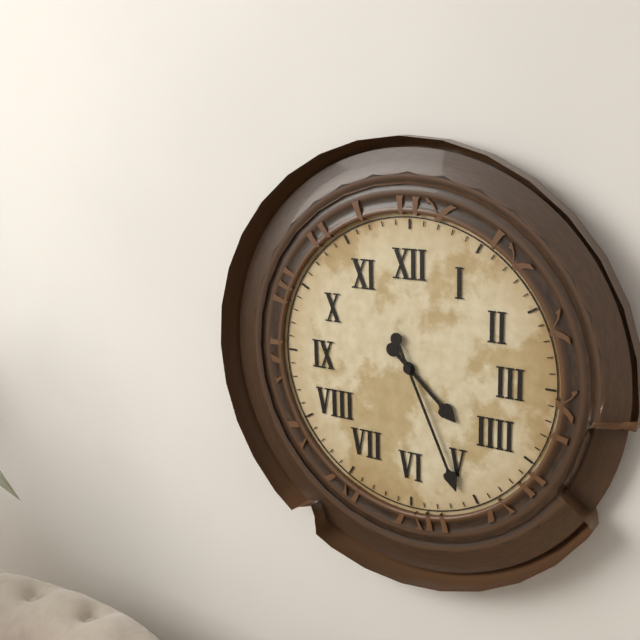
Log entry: 4:26
